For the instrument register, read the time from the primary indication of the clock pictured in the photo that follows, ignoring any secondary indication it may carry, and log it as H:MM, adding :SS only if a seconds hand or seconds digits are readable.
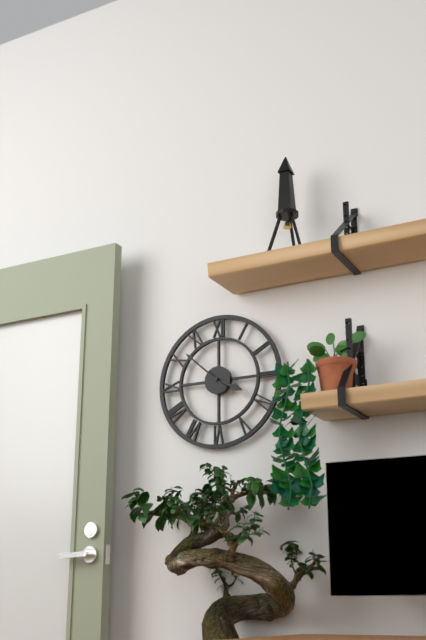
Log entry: 3:52
